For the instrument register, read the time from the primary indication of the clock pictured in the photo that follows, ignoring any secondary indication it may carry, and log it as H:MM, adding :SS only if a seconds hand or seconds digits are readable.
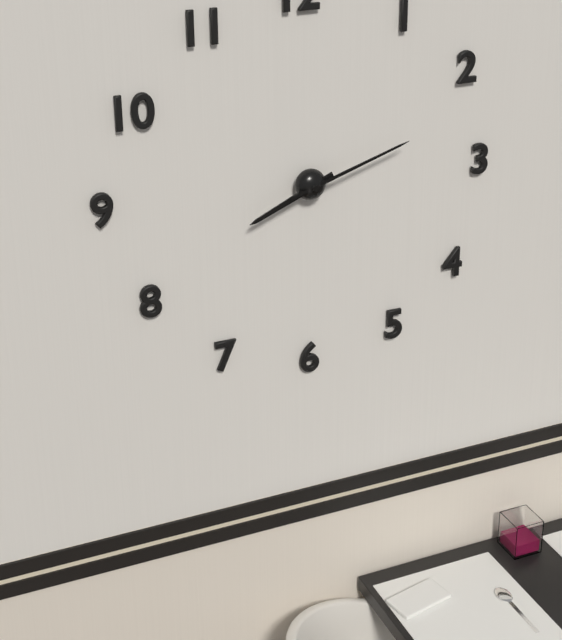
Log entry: 8:12
